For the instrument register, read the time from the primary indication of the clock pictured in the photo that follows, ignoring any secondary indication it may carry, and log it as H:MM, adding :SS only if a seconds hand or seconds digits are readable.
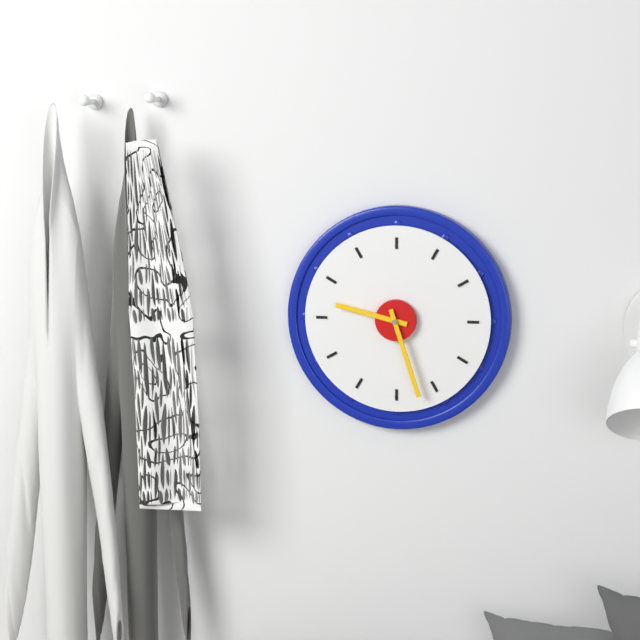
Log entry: 9:27
